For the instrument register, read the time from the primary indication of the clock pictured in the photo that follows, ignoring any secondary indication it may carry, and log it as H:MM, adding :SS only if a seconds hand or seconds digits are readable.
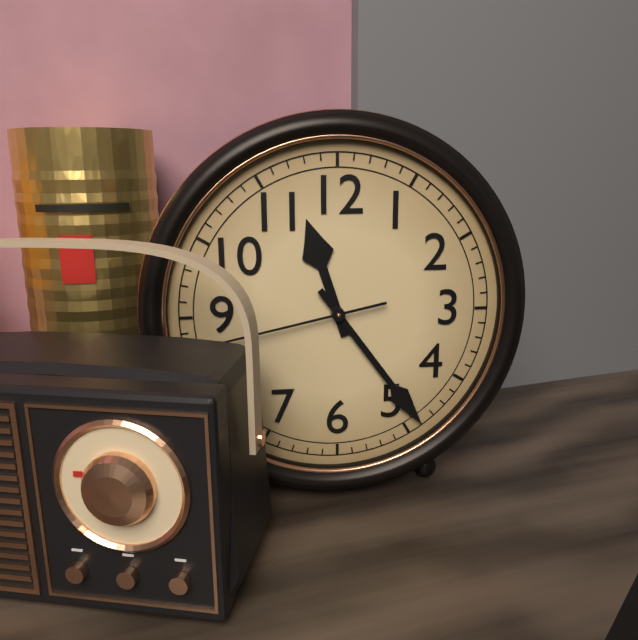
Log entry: 11:24
